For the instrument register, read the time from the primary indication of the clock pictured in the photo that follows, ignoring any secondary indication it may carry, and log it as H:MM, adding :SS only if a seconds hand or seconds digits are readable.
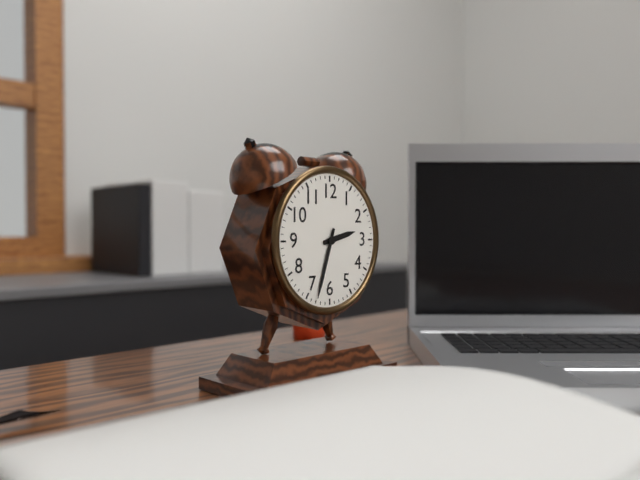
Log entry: 2:33
